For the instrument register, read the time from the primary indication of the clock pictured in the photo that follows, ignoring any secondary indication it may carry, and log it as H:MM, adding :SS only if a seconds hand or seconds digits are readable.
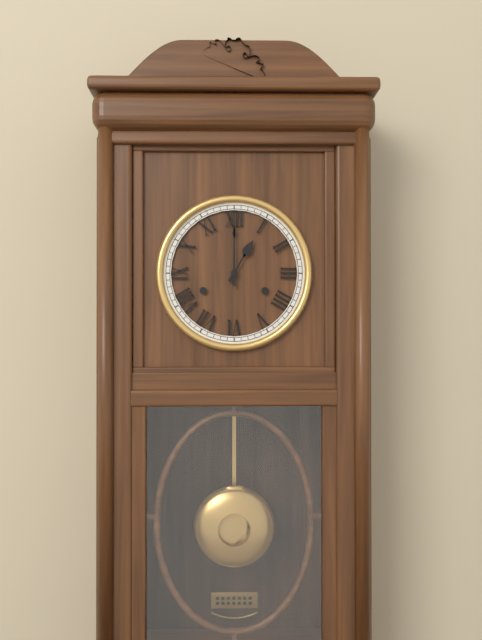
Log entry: 1:00
